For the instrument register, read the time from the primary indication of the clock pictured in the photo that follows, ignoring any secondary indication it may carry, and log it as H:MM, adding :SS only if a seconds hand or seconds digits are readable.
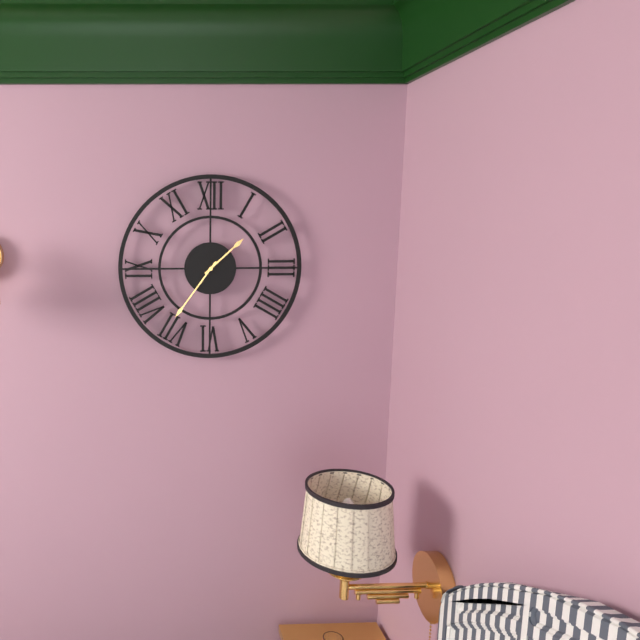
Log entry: 1:36
